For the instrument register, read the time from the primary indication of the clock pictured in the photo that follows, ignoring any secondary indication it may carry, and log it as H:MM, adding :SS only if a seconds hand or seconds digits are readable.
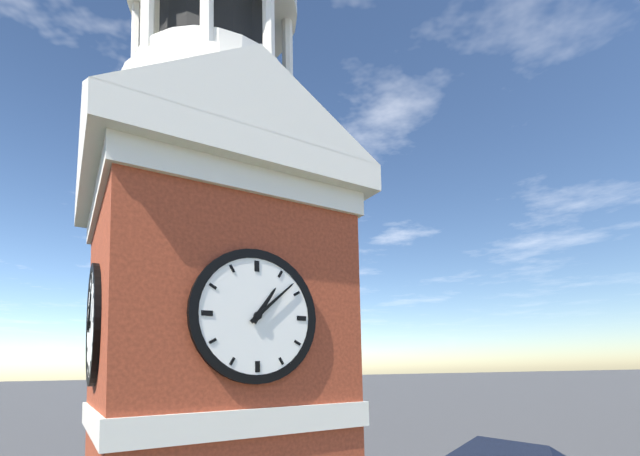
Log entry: 1:08
